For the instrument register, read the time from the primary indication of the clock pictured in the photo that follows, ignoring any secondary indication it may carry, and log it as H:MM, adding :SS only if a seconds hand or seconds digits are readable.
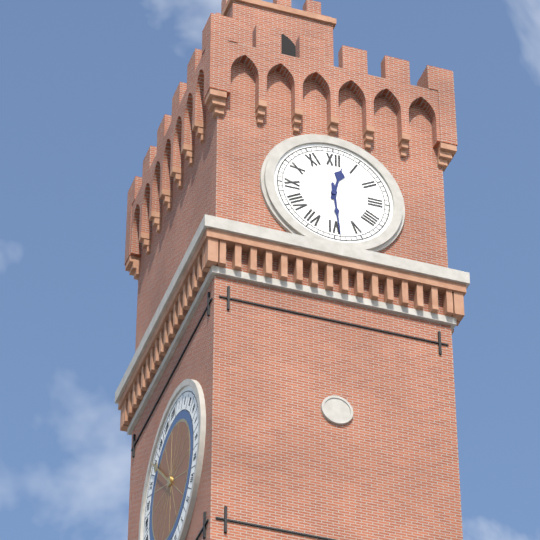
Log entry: 12:29
